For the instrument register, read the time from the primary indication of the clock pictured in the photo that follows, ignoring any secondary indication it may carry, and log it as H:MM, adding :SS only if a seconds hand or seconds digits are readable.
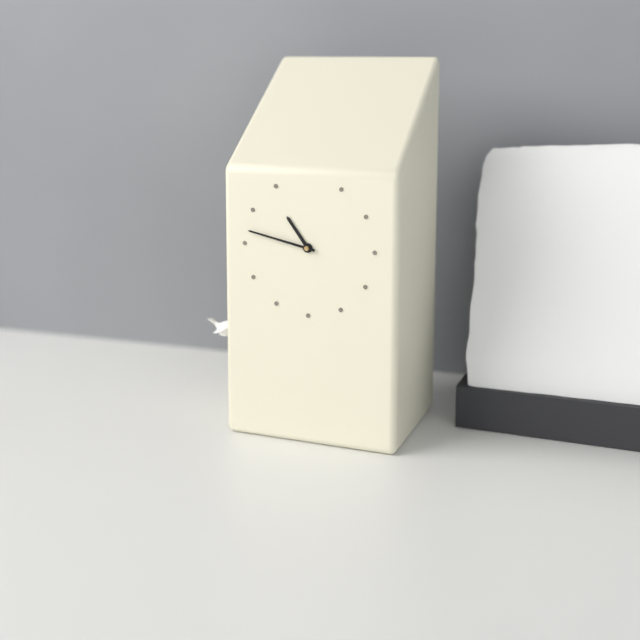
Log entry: 10:47
